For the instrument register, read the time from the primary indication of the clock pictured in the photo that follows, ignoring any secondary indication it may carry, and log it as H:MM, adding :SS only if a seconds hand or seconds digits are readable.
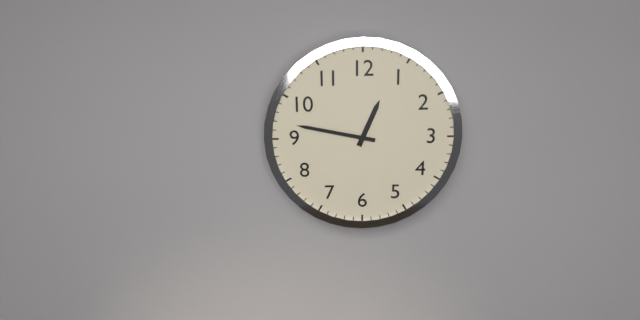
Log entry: 12:47
